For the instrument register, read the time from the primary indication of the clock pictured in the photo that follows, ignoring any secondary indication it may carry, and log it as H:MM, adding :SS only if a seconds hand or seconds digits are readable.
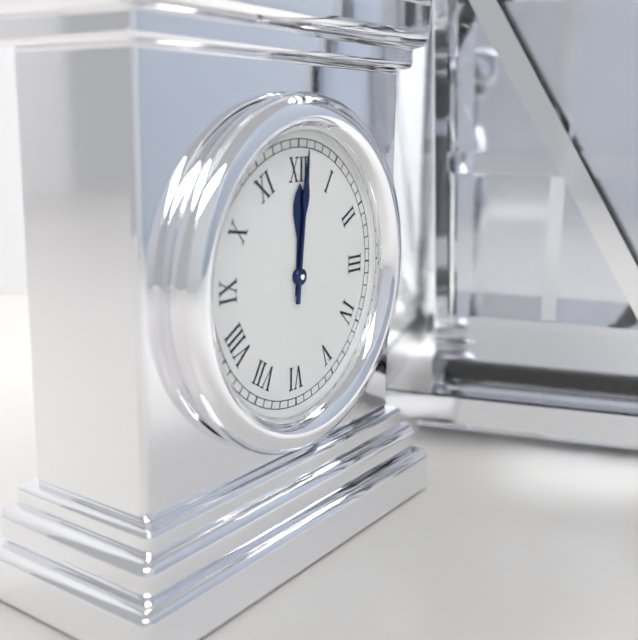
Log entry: 12:01
